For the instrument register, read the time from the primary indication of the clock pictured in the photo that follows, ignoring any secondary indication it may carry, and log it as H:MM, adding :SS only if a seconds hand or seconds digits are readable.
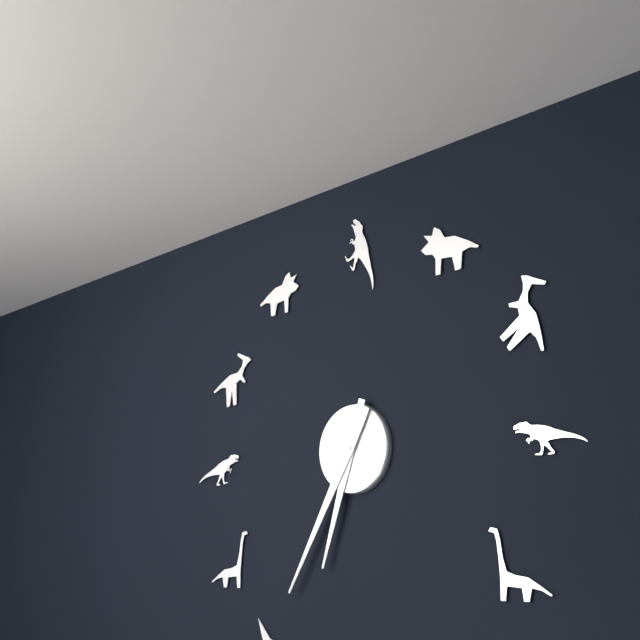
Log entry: 6:35
